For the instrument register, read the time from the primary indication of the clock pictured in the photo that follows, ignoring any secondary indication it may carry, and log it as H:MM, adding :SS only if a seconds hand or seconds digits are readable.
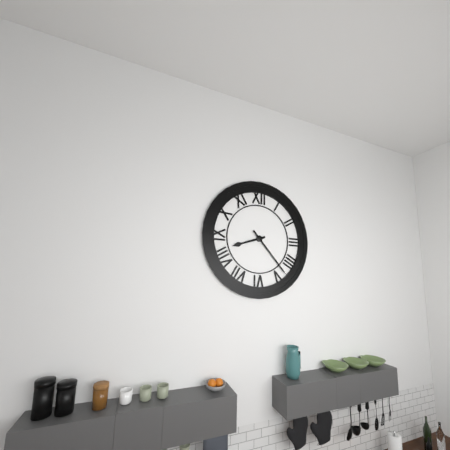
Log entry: 8:23
